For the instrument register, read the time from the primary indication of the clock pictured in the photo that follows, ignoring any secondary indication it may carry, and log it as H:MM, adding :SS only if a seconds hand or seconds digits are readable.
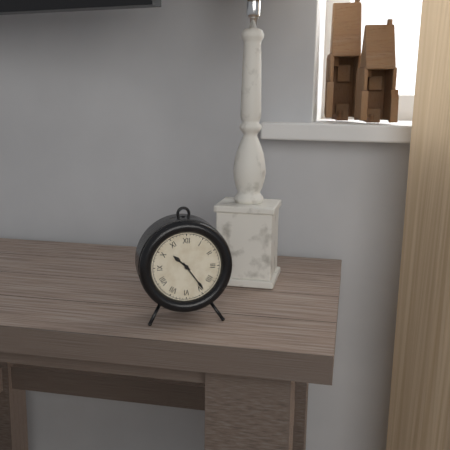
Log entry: 10:24
